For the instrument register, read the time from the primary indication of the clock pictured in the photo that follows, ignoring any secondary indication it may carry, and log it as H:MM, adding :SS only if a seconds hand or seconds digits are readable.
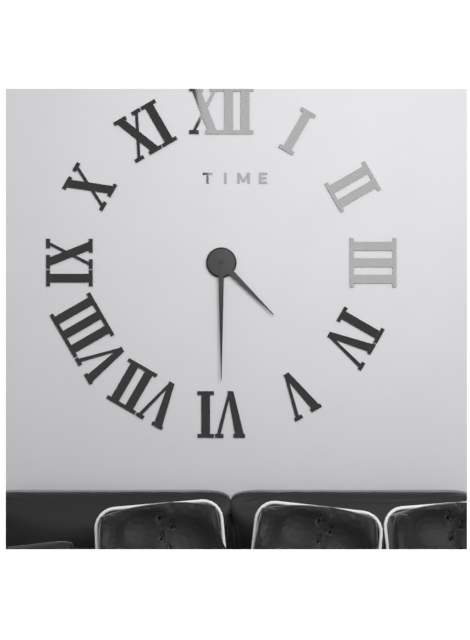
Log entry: 4:30
